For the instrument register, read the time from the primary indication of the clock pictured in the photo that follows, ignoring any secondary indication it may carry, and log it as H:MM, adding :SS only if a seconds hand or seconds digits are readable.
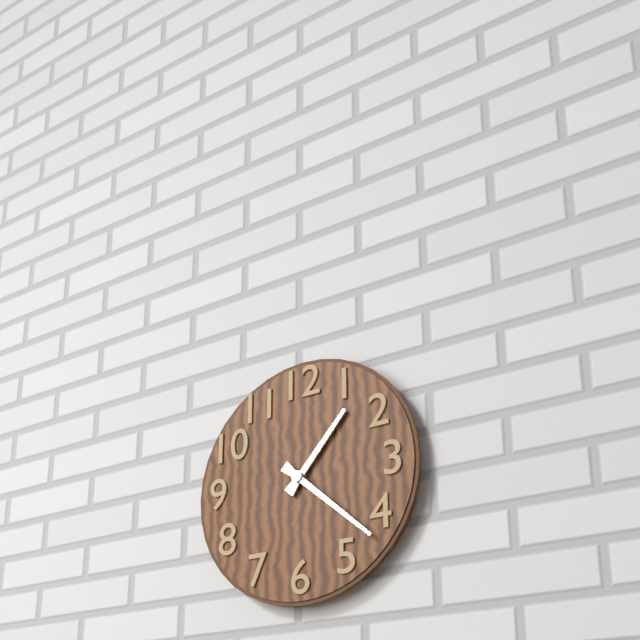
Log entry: 1:22
